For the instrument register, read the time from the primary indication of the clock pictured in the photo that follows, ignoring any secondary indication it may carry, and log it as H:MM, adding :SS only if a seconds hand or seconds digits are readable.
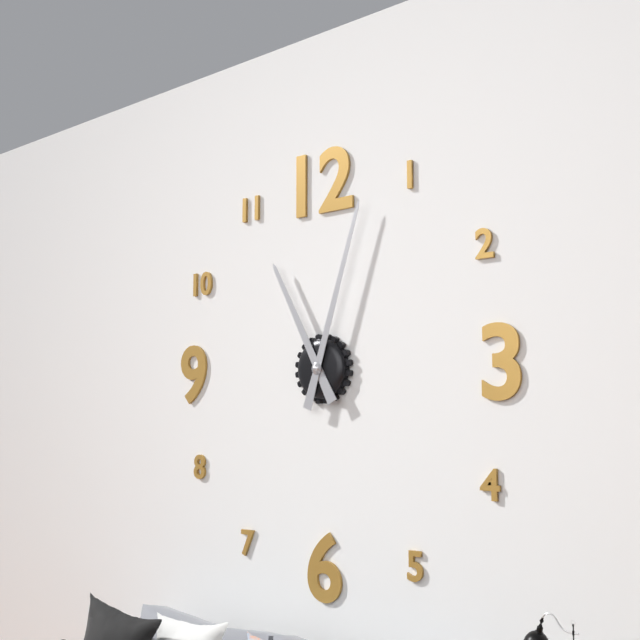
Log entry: 11:03
